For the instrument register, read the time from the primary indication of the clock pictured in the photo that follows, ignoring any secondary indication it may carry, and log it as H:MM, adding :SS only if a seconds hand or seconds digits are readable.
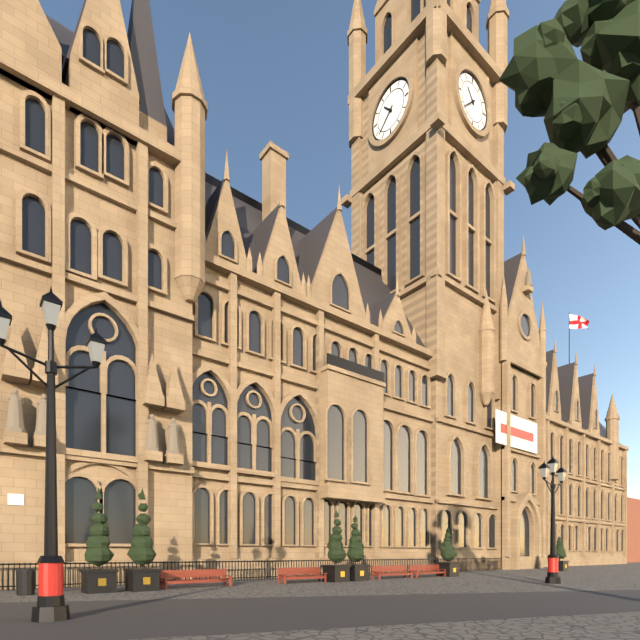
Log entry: 10:38
